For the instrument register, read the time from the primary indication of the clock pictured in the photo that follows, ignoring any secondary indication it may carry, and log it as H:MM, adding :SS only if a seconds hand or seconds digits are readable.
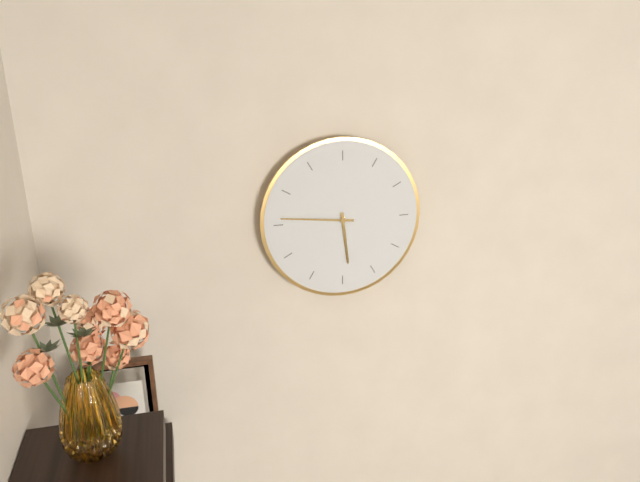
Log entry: 5:46
